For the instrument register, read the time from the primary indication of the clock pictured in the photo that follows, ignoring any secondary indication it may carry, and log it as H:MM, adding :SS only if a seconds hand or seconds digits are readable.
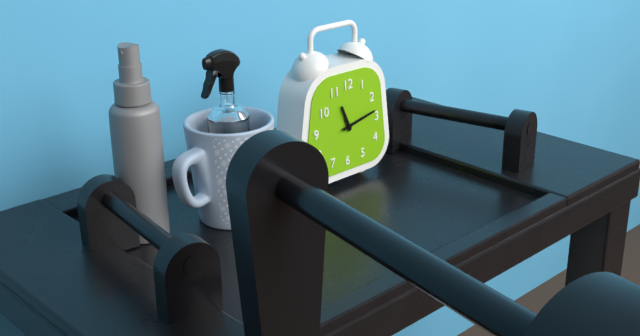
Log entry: 11:13
